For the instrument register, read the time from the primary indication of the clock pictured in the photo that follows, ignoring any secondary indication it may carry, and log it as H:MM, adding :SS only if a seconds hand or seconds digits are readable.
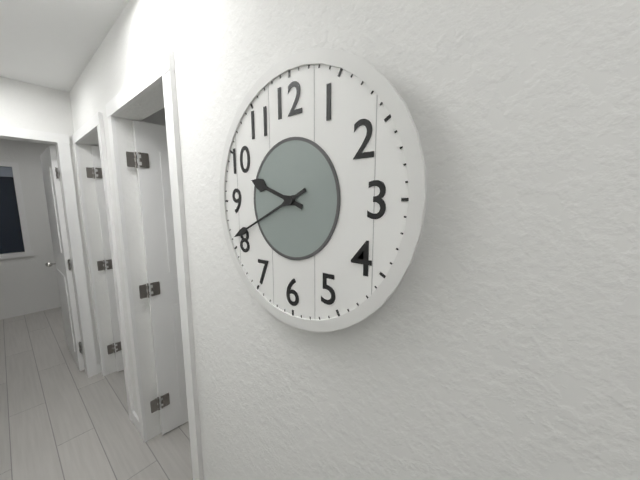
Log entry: 9:41
